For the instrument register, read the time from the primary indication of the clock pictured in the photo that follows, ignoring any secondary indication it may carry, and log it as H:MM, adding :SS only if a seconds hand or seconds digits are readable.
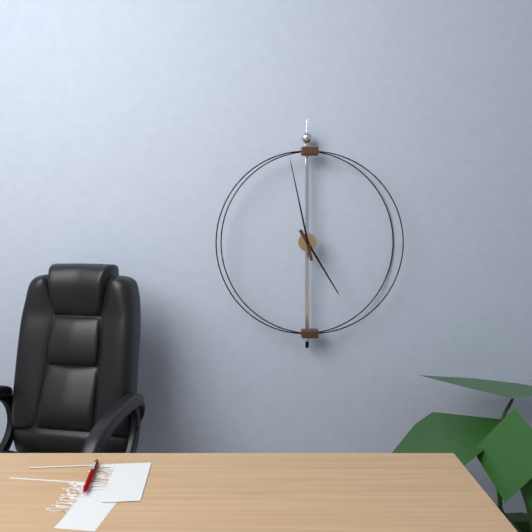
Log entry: 4:58
